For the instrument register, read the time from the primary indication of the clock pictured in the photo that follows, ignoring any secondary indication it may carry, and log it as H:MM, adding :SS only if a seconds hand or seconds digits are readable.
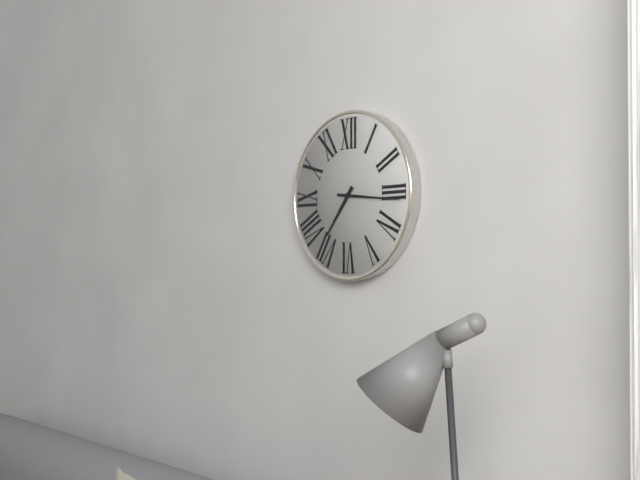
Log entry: 7:16
